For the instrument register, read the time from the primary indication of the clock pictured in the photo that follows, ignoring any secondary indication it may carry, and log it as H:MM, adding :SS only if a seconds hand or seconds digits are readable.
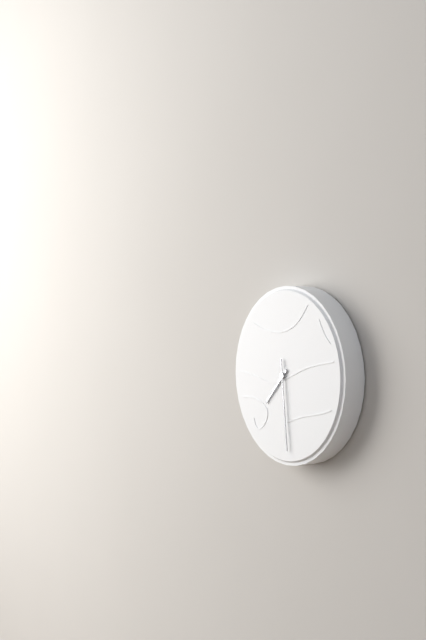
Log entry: 7:29
